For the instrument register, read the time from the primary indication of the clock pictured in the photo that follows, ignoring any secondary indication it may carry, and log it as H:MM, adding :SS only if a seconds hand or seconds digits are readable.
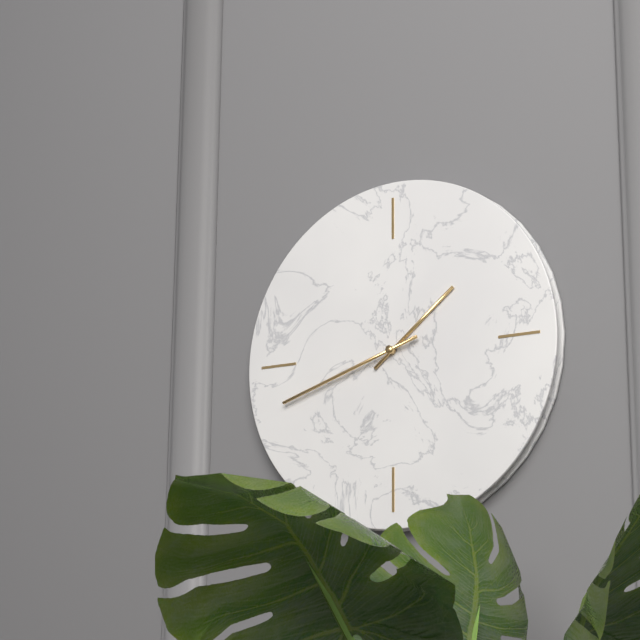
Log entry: 1:42
